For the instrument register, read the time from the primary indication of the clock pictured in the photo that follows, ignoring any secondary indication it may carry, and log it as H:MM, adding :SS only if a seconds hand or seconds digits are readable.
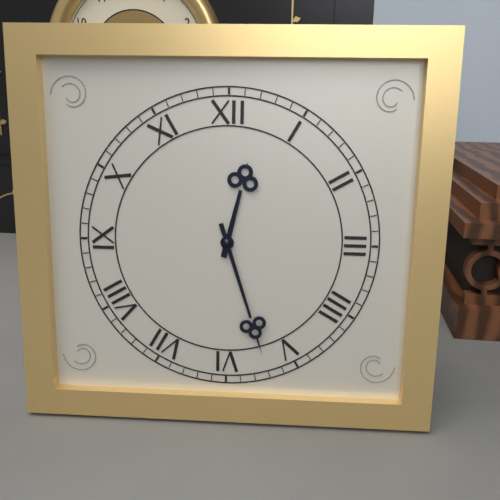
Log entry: 12:27
